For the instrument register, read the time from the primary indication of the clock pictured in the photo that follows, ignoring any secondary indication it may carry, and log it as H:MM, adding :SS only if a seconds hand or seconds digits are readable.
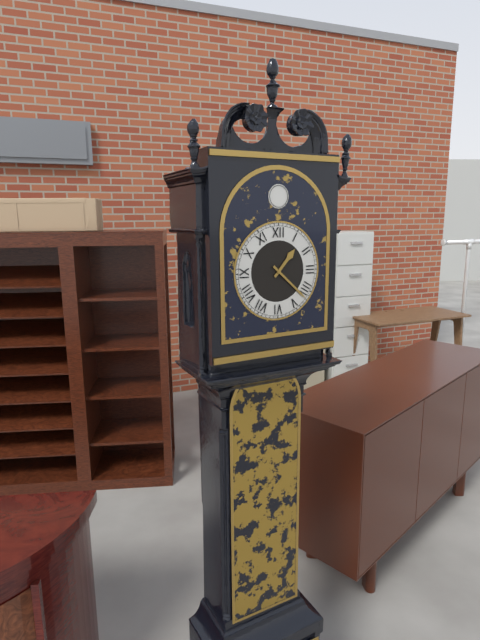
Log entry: 1:22
